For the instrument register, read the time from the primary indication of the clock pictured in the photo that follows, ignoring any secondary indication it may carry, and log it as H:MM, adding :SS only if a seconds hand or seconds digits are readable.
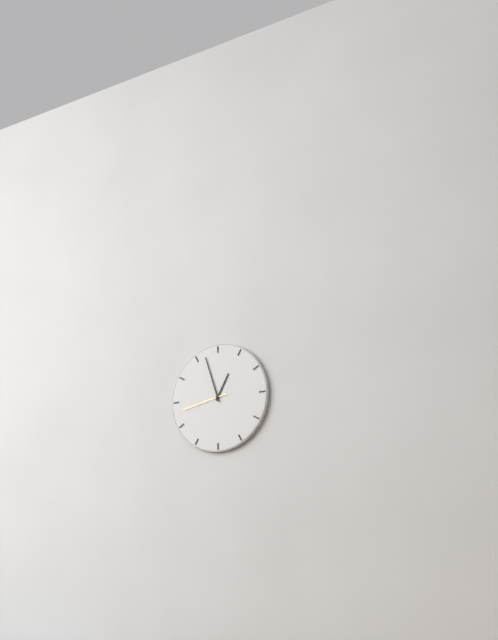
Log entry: 12:57
